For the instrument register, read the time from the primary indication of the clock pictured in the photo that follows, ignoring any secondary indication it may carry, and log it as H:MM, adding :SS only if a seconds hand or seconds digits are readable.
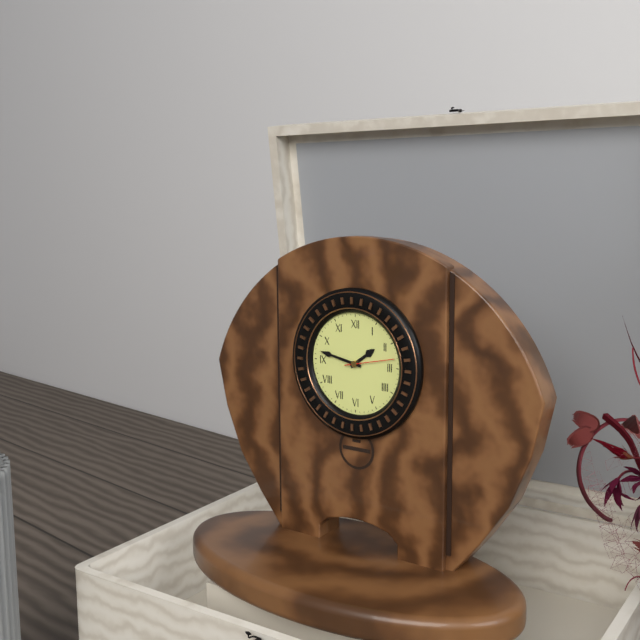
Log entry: 1:47
